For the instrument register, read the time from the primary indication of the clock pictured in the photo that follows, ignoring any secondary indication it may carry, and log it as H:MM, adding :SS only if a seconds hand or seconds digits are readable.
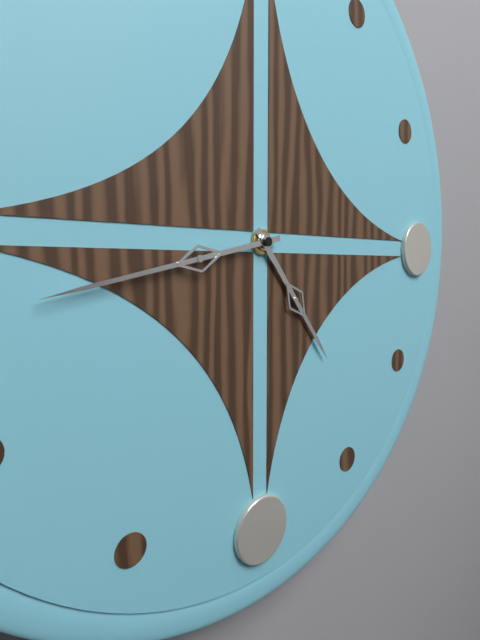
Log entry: 4:43
